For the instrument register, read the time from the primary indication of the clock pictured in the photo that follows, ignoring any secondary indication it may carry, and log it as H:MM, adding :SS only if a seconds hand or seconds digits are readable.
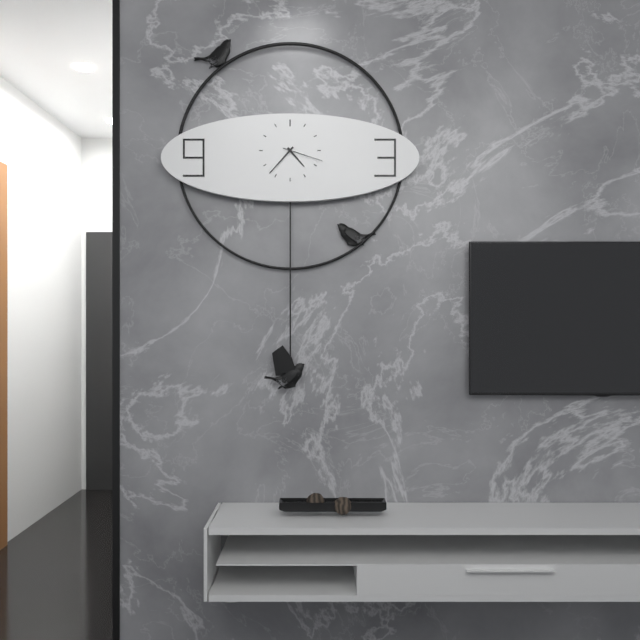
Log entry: 4:37
